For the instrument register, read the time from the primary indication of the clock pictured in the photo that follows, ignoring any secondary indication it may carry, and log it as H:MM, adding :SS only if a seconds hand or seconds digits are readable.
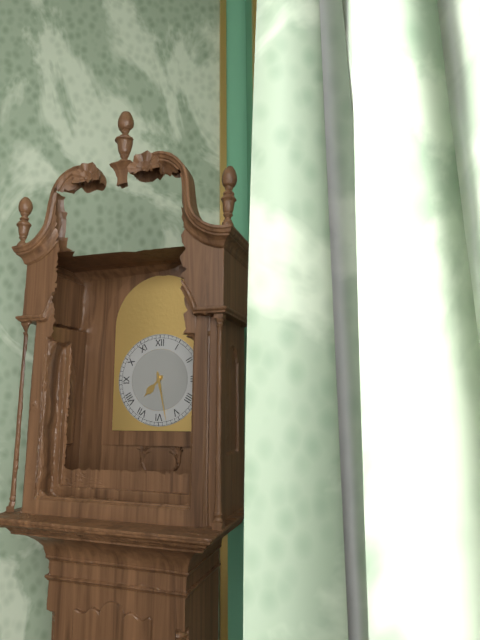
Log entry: 7:28
